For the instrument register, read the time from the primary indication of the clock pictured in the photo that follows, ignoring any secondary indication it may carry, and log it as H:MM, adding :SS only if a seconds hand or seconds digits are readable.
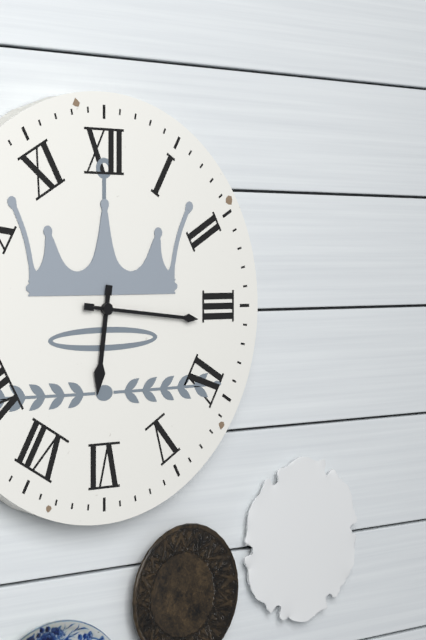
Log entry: 6:16
